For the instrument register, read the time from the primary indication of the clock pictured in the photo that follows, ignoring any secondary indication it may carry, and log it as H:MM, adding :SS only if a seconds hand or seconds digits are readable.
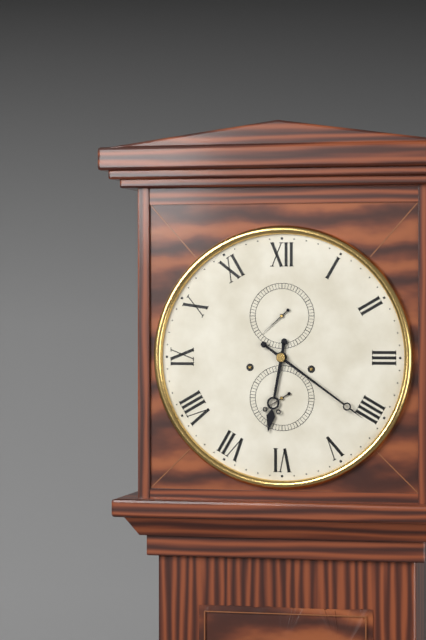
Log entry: 6:21
